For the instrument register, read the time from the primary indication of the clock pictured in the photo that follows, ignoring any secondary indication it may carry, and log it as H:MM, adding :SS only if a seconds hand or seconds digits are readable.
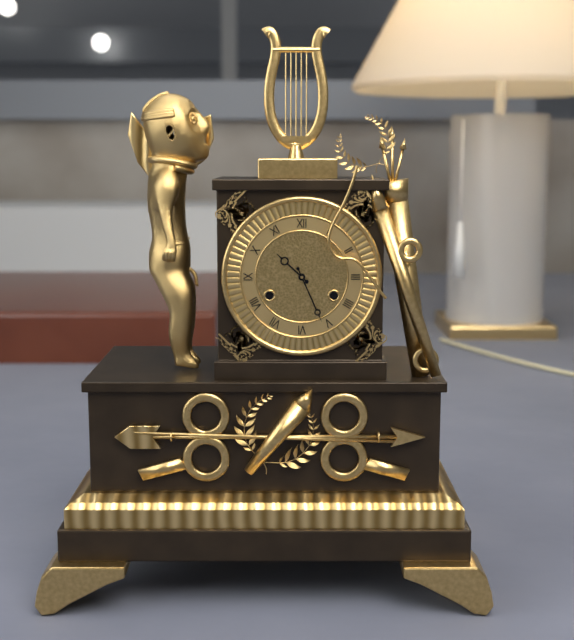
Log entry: 10:26
